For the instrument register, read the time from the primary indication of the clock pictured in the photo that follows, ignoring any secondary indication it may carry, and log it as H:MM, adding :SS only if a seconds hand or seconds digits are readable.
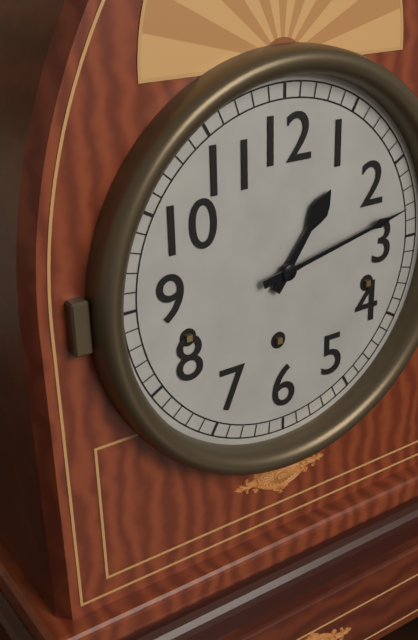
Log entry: 1:13
